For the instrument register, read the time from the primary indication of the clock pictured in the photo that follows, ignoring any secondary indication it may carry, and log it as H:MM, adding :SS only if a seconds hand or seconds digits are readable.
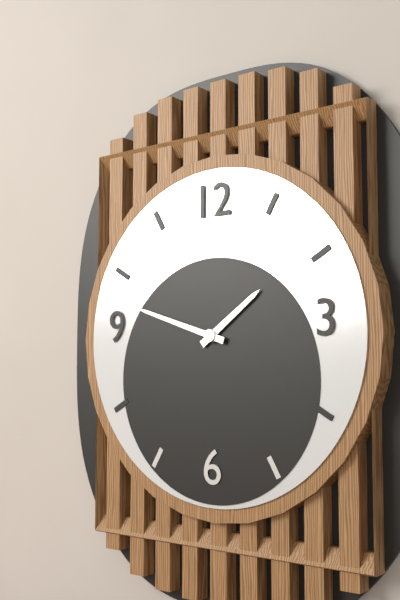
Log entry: 1:48
